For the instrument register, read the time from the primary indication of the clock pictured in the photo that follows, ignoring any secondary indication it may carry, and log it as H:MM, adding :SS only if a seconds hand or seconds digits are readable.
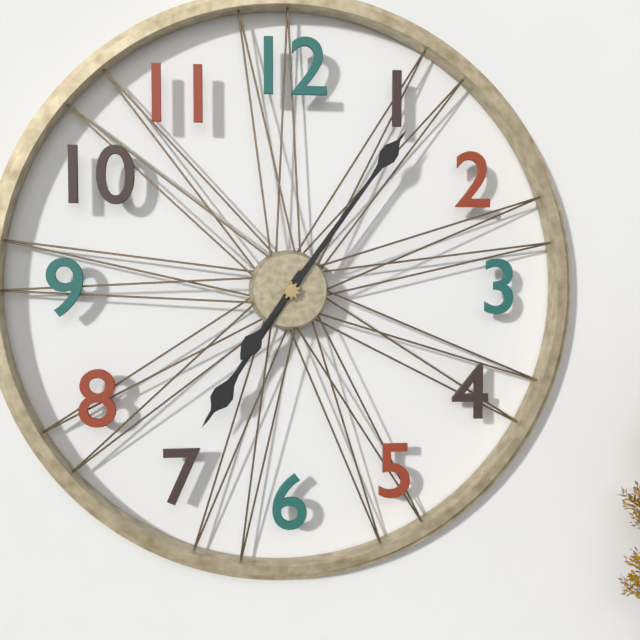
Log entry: 7:06
